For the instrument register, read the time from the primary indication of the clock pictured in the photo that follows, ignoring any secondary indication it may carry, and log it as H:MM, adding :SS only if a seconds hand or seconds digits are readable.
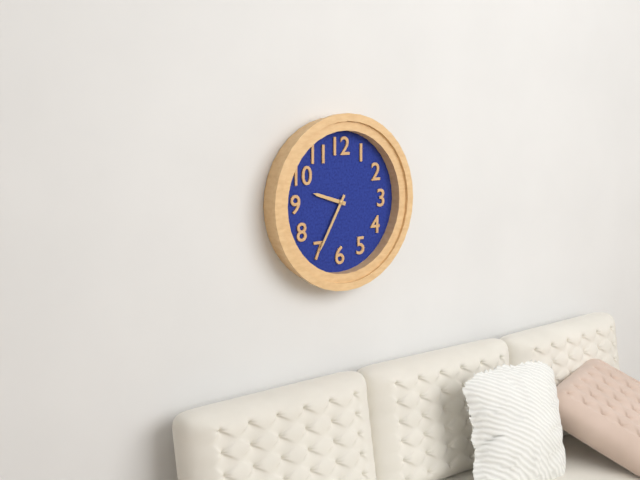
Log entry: 9:35
